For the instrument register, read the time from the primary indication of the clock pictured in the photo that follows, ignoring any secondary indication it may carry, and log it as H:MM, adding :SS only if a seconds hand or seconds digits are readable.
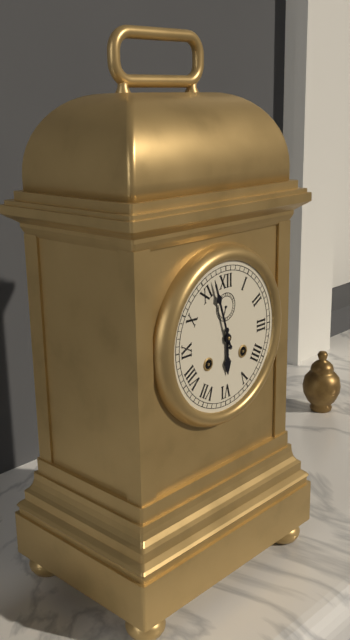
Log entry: 5:57
